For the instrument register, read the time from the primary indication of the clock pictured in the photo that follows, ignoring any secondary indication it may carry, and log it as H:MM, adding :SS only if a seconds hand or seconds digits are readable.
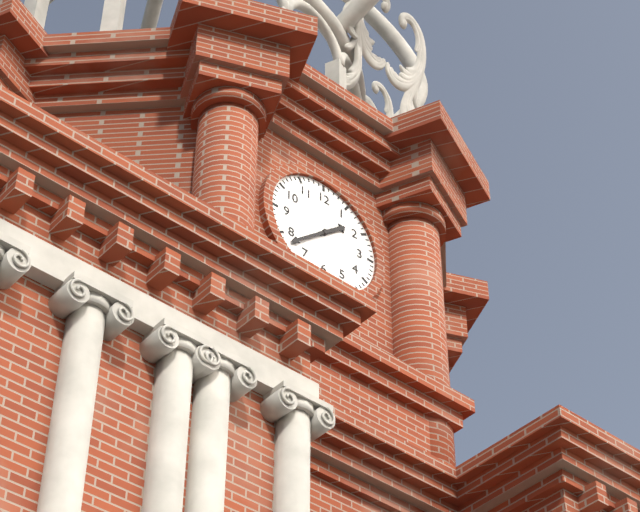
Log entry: 1:38
